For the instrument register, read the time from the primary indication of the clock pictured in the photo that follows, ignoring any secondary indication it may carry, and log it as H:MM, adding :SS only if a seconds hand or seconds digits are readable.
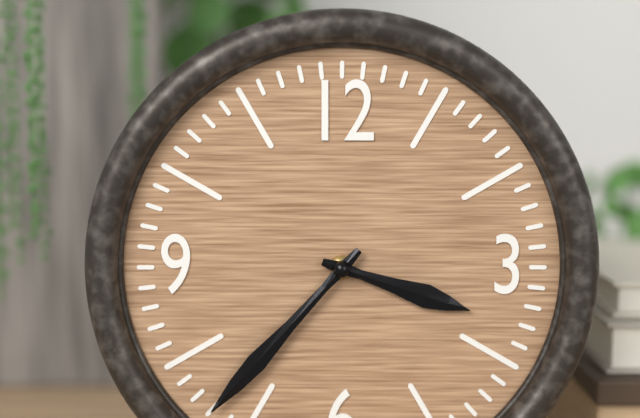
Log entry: 3:37
